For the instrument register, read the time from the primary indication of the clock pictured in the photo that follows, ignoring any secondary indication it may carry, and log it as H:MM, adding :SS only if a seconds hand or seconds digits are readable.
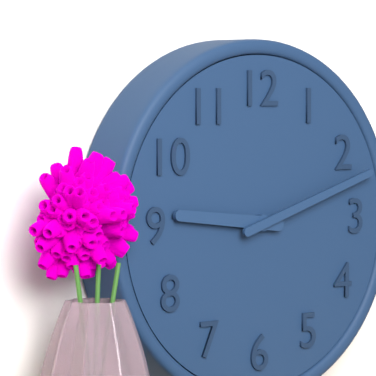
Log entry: 9:12
